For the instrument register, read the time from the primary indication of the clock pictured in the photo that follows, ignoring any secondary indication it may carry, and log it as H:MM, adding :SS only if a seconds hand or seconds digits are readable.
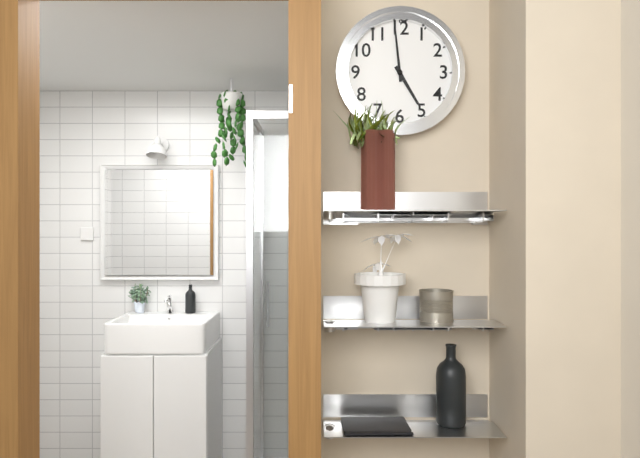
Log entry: 4:59
